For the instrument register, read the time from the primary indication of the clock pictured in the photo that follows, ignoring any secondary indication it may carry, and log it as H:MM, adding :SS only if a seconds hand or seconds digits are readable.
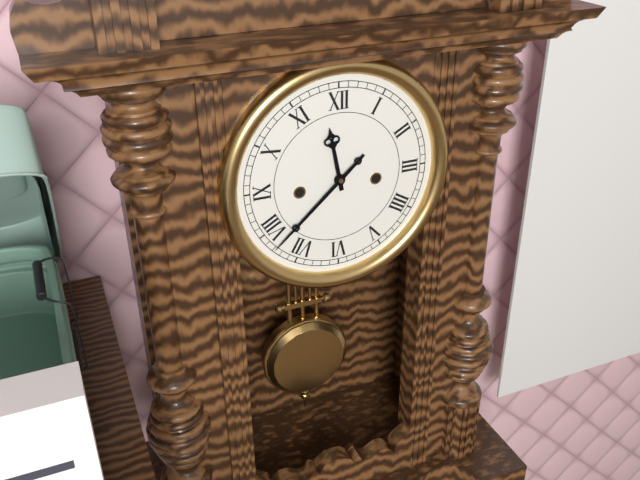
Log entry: 11:38
